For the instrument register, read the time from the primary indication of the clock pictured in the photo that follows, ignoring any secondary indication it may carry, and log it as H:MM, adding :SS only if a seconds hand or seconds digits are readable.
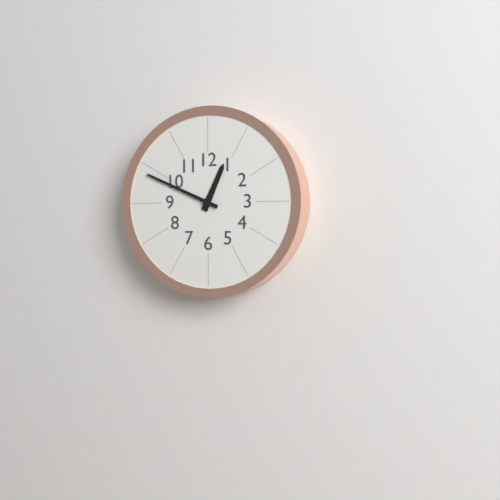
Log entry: 12:49
